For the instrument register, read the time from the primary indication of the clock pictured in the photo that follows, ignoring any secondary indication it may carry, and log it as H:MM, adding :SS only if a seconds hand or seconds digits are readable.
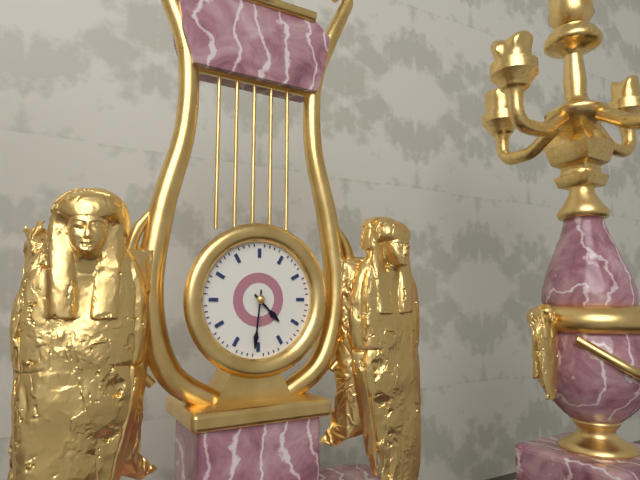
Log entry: 4:31
